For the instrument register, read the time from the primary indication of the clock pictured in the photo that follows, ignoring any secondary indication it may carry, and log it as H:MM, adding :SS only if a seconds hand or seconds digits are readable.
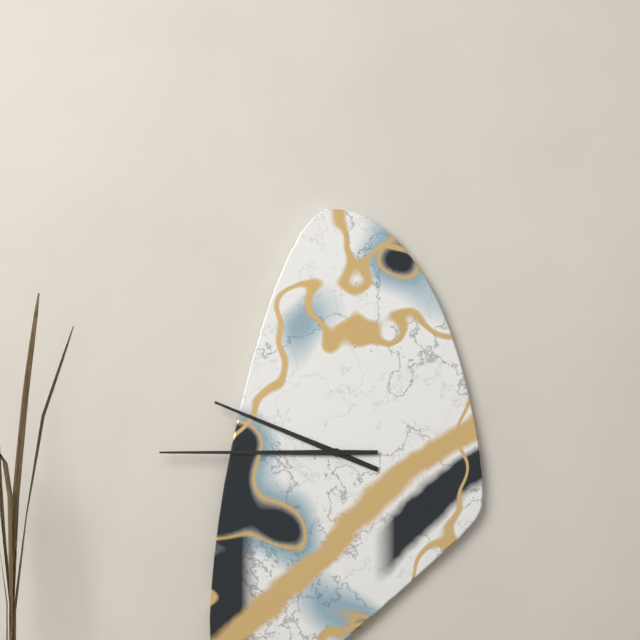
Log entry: 9:45
